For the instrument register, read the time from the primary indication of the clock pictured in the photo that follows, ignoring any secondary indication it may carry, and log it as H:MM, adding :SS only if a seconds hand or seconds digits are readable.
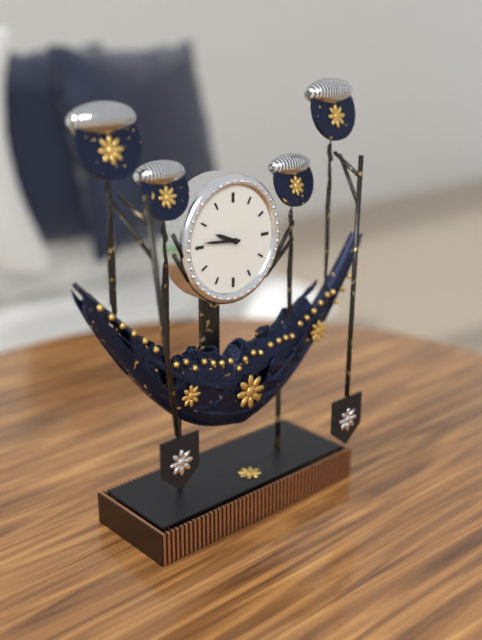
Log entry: 9:46
